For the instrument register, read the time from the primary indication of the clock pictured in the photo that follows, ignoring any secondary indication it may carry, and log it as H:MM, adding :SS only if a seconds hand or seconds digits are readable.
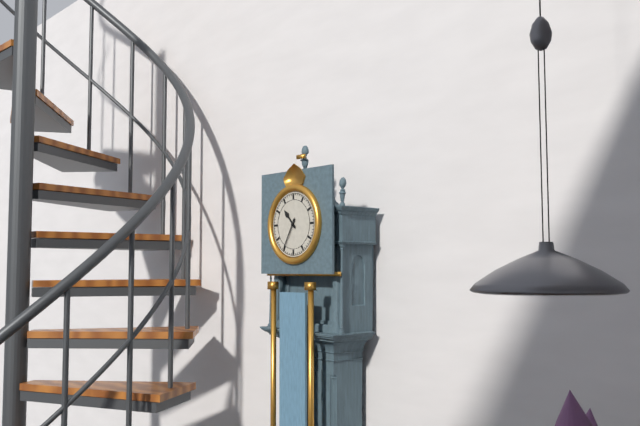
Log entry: 10:35
